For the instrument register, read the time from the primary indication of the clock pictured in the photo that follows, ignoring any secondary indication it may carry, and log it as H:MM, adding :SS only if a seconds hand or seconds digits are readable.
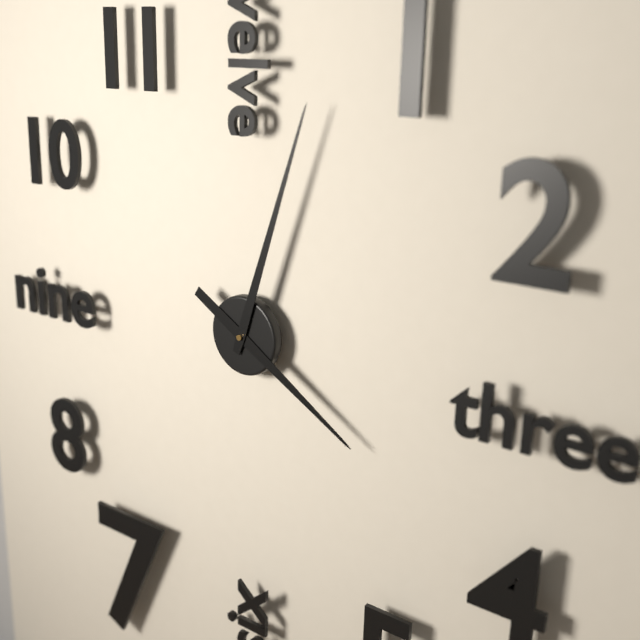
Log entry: 4:03
